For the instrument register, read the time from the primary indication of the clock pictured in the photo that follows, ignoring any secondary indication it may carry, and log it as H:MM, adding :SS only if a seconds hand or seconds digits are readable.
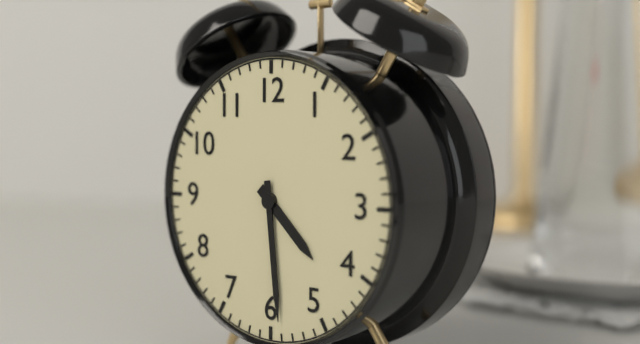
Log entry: 4:29
